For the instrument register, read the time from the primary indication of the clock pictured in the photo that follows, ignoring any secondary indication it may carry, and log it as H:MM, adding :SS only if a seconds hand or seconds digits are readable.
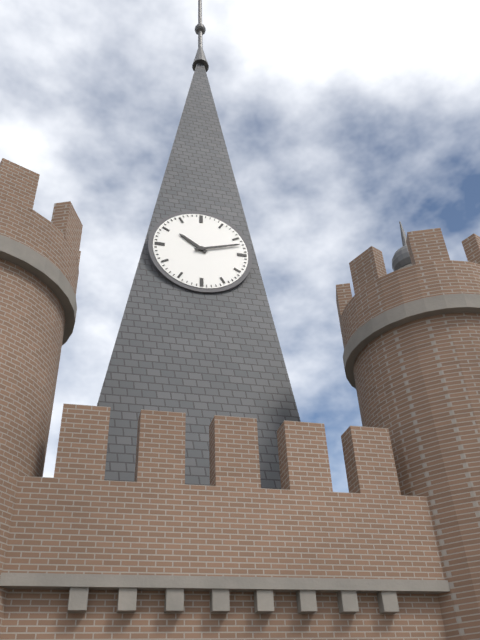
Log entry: 10:12
